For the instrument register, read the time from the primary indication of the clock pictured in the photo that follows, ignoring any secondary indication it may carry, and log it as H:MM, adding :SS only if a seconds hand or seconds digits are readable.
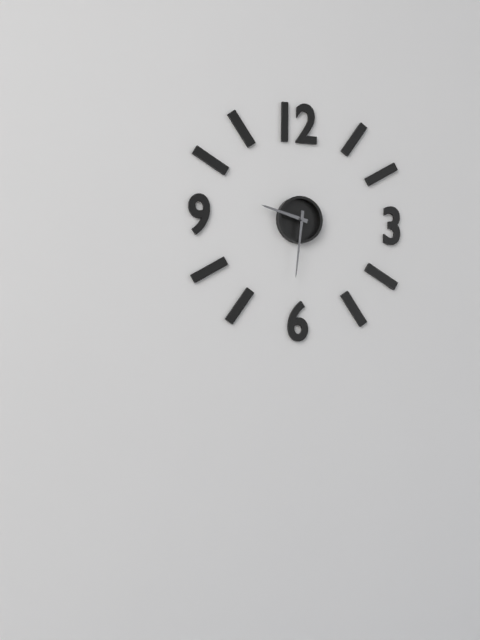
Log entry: 9:31
